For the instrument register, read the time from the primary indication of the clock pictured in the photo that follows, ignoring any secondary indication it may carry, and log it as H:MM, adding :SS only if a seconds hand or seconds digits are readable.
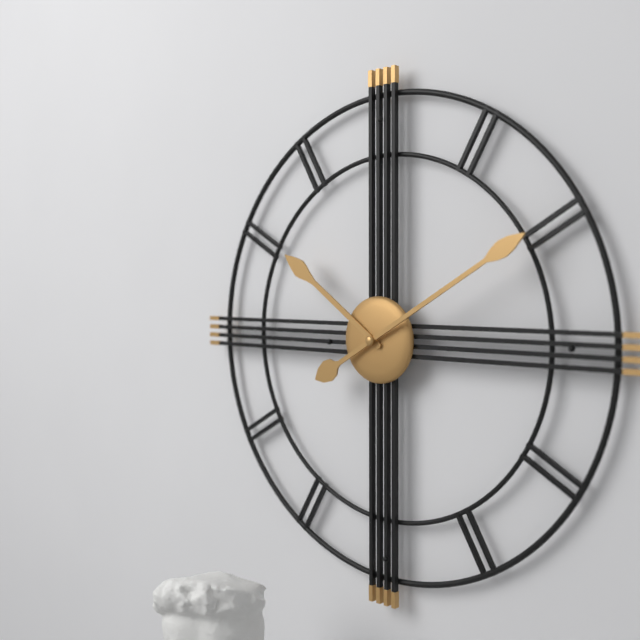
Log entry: 10:10
